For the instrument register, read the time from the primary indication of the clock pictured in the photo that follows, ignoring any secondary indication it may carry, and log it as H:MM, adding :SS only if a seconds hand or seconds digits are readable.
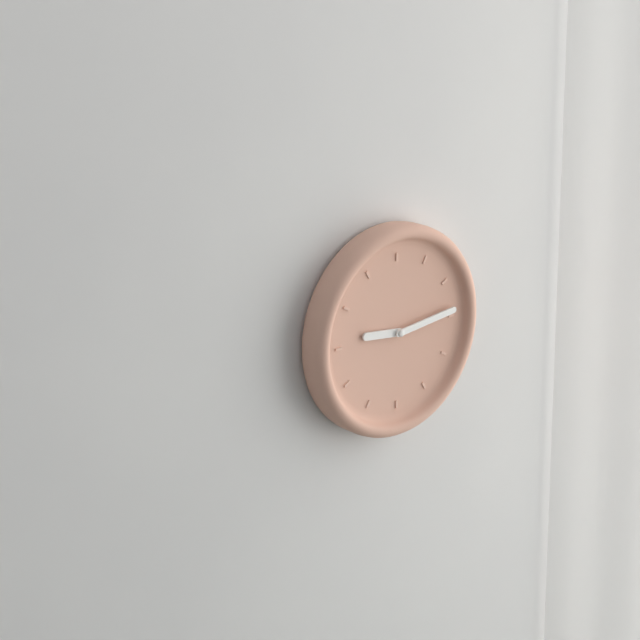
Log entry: 9:14
